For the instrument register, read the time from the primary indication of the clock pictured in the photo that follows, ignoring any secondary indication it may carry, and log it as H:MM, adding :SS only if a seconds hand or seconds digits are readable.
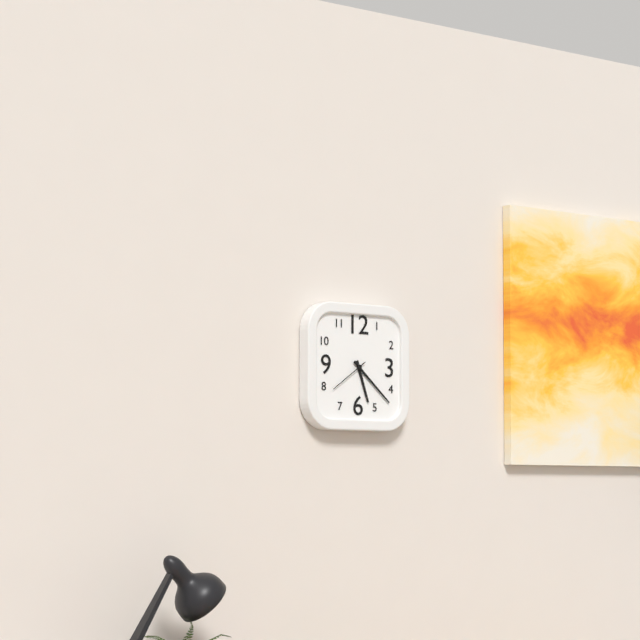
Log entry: 5:22
